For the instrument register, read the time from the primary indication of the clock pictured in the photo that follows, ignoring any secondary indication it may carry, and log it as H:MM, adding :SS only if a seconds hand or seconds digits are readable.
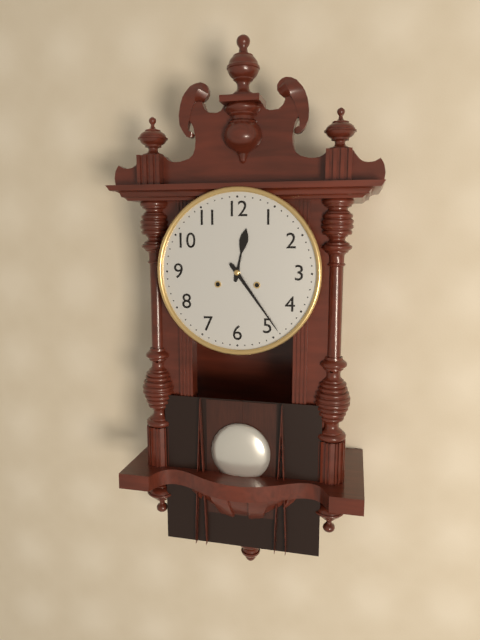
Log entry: 12:24
